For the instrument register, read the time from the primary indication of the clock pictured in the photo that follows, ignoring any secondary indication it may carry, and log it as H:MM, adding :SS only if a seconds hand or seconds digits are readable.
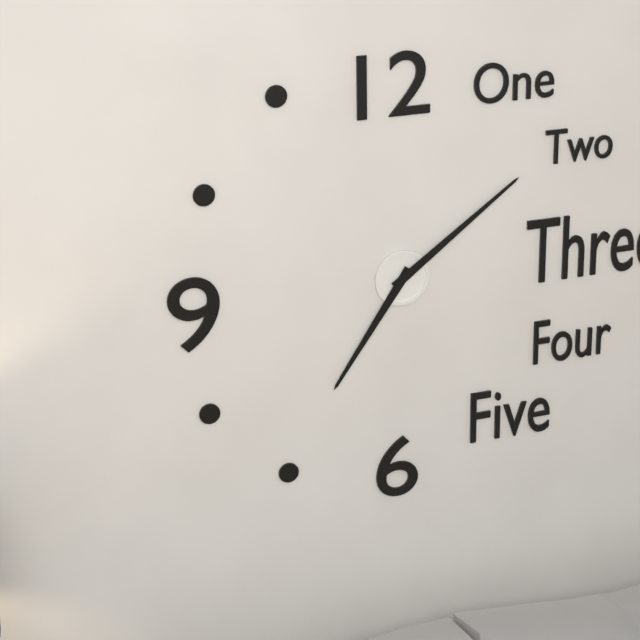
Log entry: 7:09
